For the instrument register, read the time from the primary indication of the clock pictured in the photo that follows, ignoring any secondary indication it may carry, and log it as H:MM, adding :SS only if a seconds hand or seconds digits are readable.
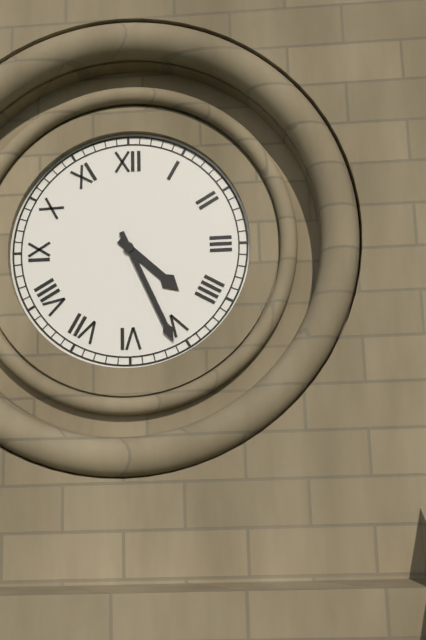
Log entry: 4:26
